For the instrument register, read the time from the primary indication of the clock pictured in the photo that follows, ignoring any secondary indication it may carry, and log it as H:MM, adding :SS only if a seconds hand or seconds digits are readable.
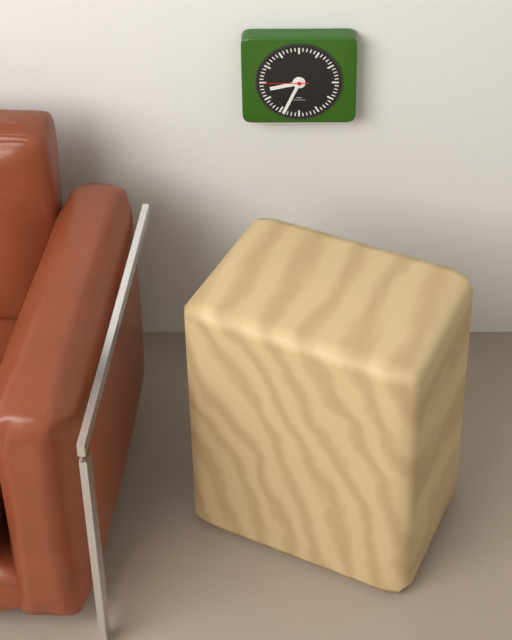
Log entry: 8:34
